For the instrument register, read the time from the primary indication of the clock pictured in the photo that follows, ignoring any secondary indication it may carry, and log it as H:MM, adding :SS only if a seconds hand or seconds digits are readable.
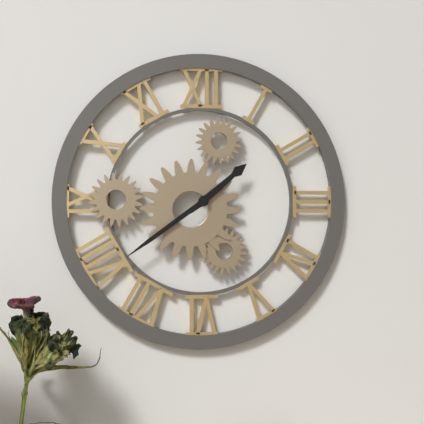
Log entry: 1:39
